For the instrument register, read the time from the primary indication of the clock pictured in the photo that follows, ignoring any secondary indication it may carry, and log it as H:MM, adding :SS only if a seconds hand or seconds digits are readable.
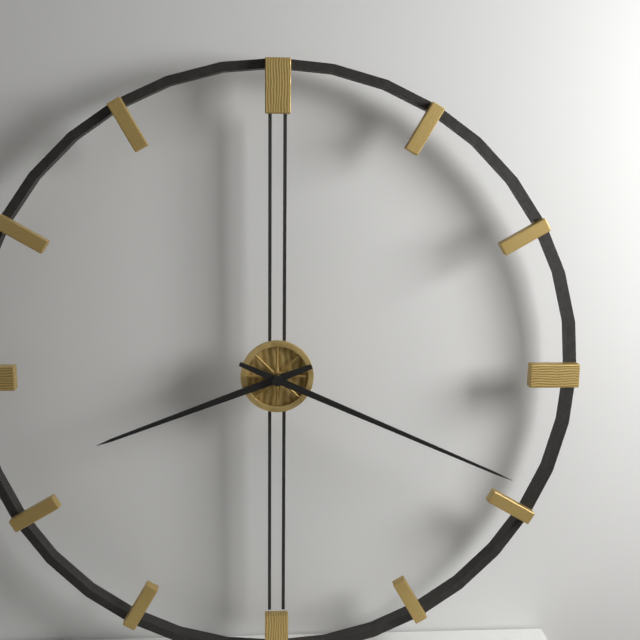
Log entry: 8:19
